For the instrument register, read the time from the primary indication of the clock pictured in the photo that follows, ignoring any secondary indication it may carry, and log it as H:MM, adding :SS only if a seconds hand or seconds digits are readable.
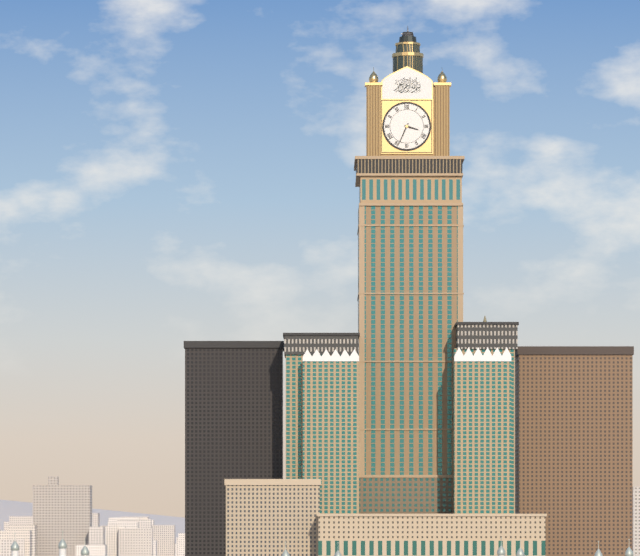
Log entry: 3:34
